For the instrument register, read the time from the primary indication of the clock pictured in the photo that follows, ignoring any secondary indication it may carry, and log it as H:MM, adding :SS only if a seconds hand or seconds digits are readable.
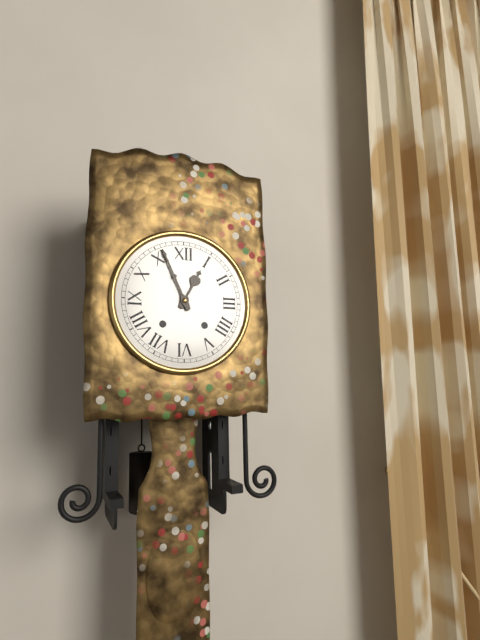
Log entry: 12:56
